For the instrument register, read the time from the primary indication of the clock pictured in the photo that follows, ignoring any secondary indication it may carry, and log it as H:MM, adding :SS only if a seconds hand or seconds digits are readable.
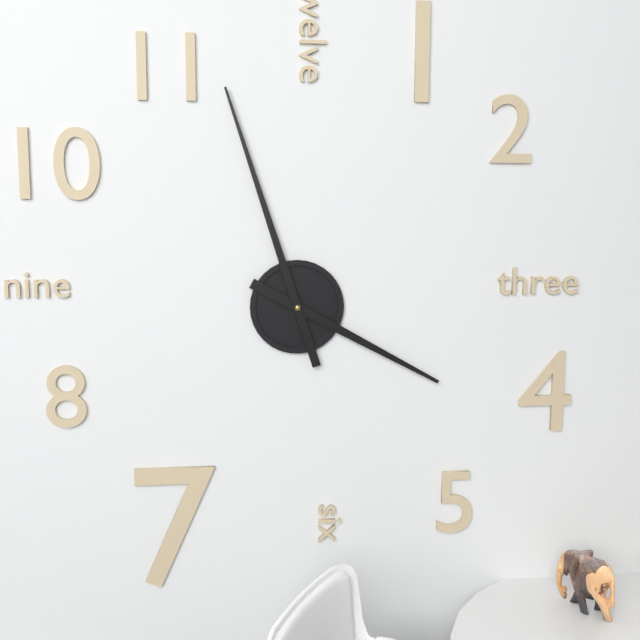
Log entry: 3:57
